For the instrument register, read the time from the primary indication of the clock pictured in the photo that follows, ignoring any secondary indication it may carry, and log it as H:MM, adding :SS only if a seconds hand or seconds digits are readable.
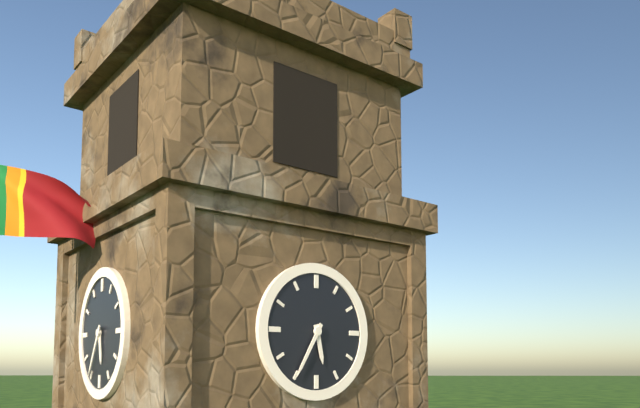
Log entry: 5:35
